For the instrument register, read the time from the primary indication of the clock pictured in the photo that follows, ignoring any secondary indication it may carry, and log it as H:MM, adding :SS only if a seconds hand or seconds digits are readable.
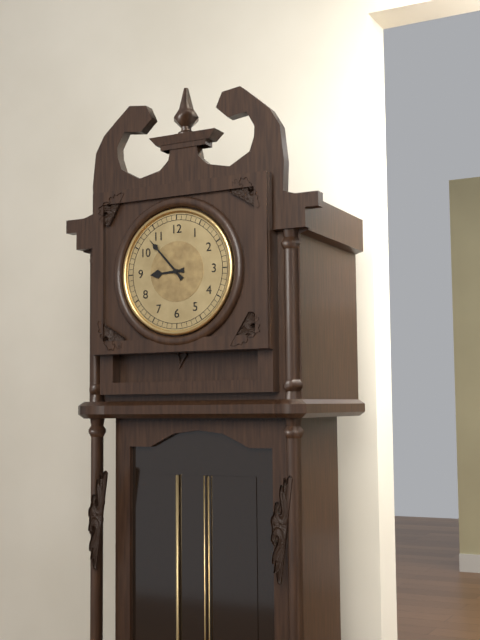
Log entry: 8:53
